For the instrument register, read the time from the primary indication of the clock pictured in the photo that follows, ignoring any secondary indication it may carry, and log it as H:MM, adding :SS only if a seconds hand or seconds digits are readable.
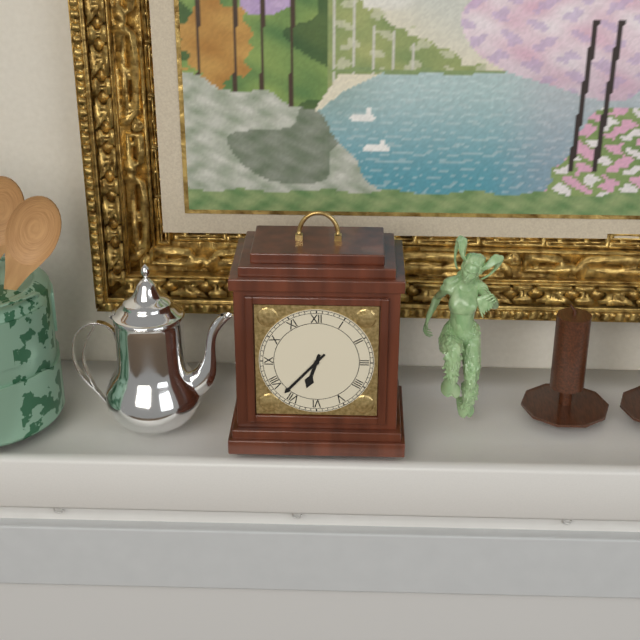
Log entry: 6:37
